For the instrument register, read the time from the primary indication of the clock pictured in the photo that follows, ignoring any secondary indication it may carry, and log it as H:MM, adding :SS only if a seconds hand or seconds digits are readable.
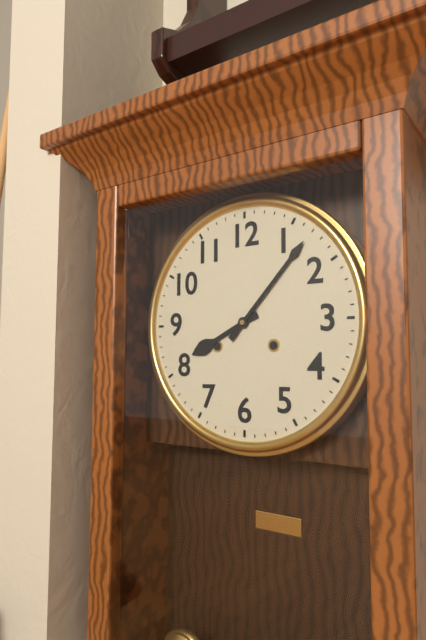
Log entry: 8:07
